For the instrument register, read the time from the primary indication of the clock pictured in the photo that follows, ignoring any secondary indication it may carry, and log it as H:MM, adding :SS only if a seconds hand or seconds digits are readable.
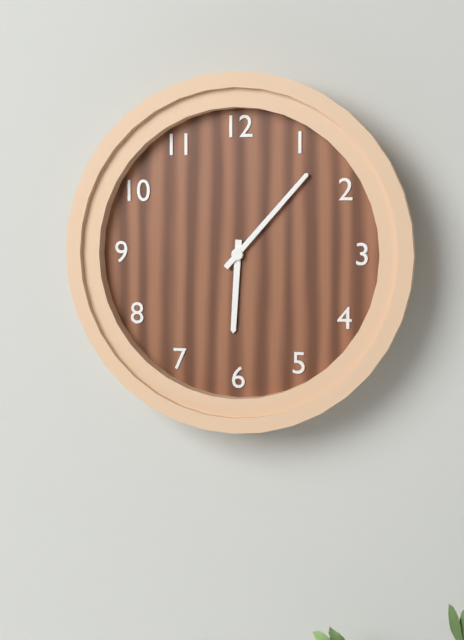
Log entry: 6:07
